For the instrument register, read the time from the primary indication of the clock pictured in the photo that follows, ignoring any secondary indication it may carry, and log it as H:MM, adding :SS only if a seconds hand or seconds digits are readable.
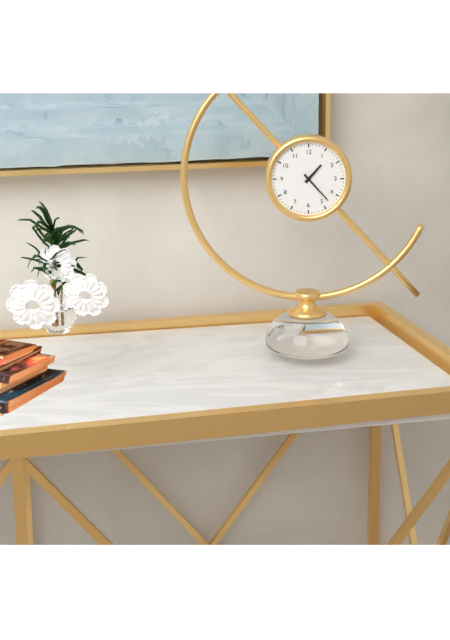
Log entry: 1:23
